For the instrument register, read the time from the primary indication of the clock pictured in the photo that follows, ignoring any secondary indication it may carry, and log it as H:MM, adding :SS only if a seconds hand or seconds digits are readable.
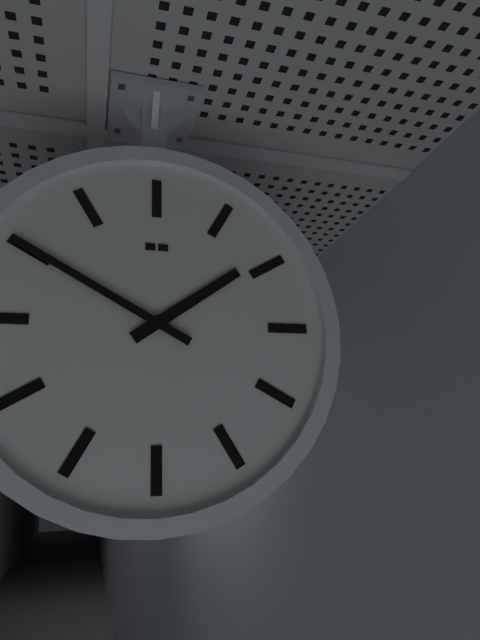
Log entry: 1:50
